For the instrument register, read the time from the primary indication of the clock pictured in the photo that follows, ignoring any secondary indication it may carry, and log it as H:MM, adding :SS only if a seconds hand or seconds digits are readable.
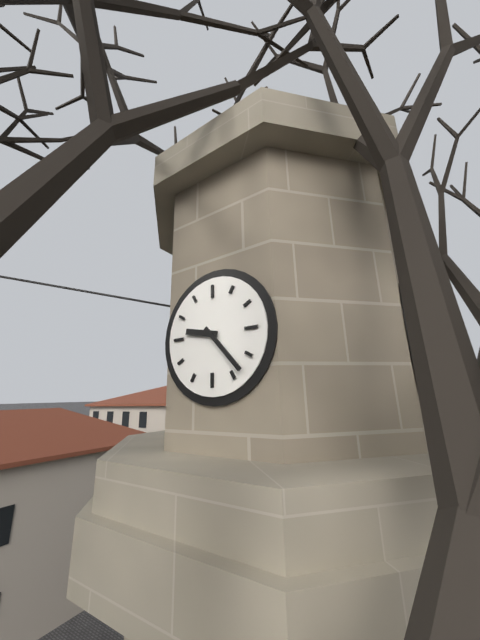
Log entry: 9:23
